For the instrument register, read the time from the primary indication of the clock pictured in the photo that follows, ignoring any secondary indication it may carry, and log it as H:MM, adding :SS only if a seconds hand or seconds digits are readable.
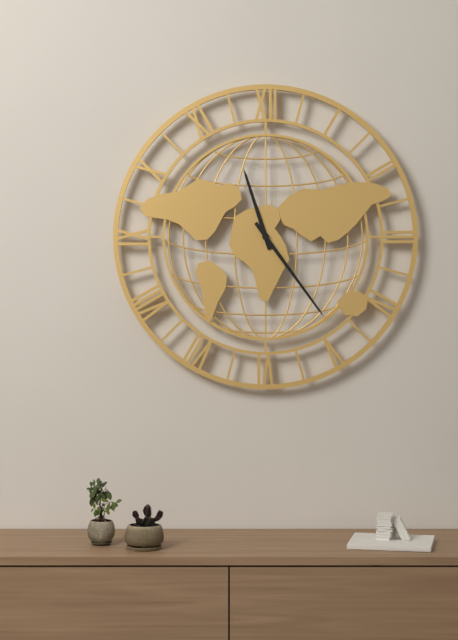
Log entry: 11:24
